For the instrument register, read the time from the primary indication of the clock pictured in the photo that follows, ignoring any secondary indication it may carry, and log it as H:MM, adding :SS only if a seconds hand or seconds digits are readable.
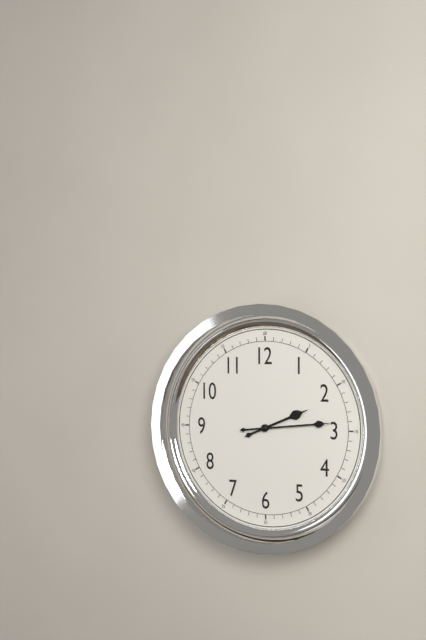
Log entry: 2:14
